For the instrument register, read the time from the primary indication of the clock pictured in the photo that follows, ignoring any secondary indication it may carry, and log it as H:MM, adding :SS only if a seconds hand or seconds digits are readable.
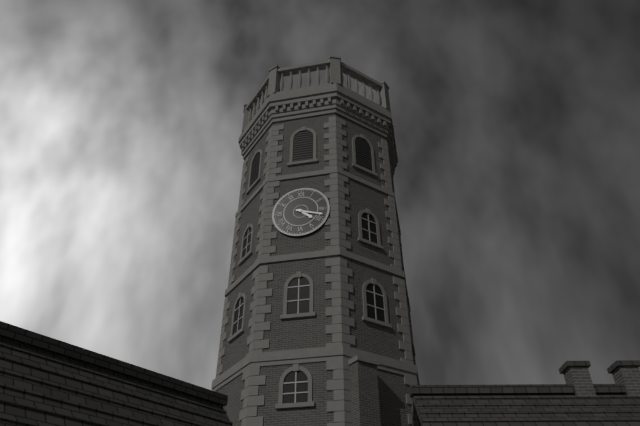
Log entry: 4:18
